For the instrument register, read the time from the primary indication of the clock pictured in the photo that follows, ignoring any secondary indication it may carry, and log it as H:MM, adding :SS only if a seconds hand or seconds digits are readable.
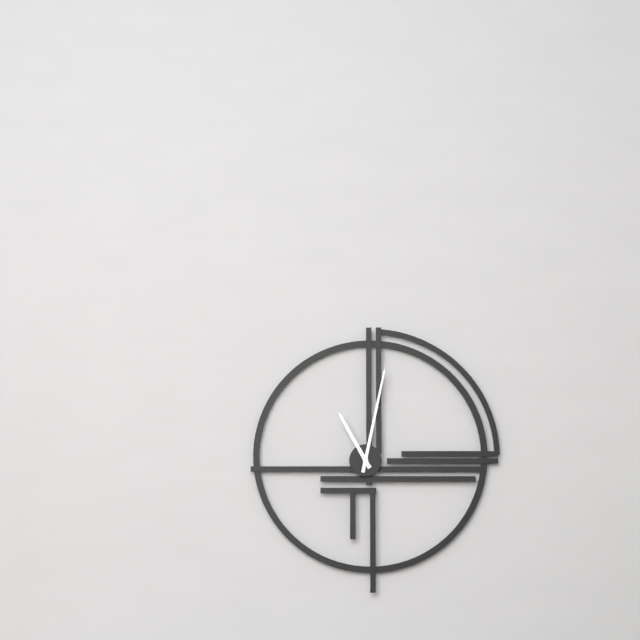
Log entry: 11:02
